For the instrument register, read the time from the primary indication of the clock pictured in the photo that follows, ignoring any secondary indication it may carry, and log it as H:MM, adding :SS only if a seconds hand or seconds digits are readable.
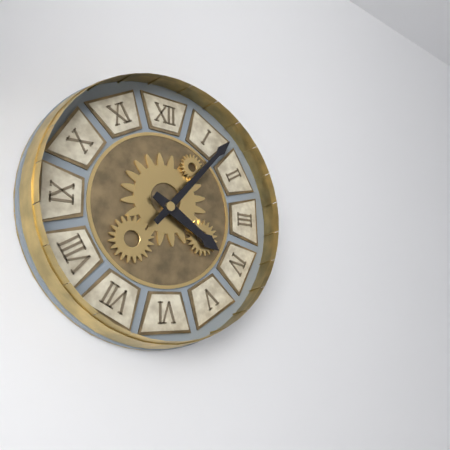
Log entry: 4:07
